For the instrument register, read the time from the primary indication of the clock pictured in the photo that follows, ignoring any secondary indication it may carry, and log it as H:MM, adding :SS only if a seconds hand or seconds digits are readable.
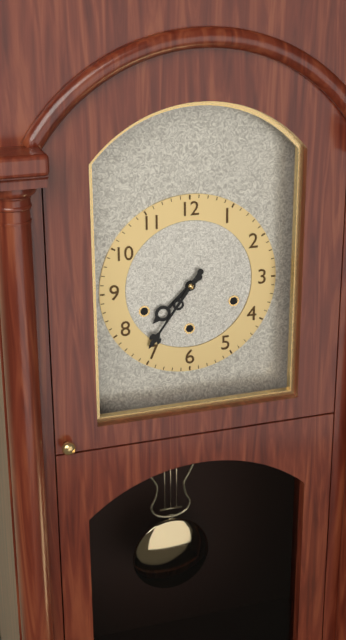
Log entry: 7:36
